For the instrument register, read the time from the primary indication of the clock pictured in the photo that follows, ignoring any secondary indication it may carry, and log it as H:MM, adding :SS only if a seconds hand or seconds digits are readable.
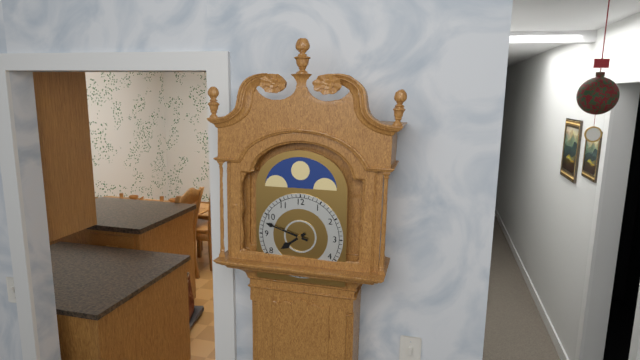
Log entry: 7:48
